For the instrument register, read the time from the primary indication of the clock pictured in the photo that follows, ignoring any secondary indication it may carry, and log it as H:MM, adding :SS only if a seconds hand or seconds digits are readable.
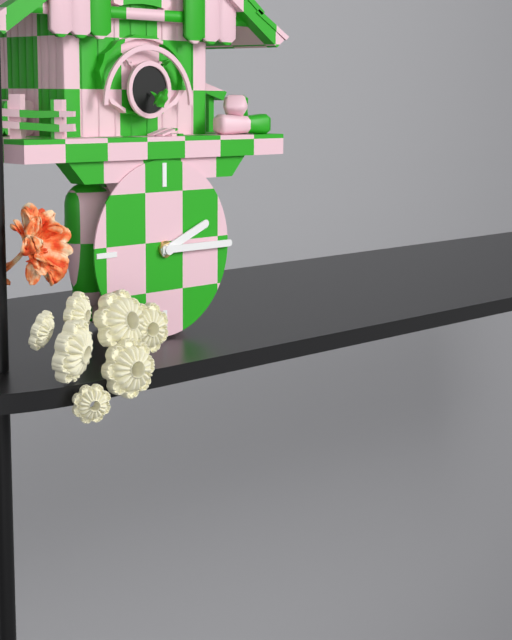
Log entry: 2:15
